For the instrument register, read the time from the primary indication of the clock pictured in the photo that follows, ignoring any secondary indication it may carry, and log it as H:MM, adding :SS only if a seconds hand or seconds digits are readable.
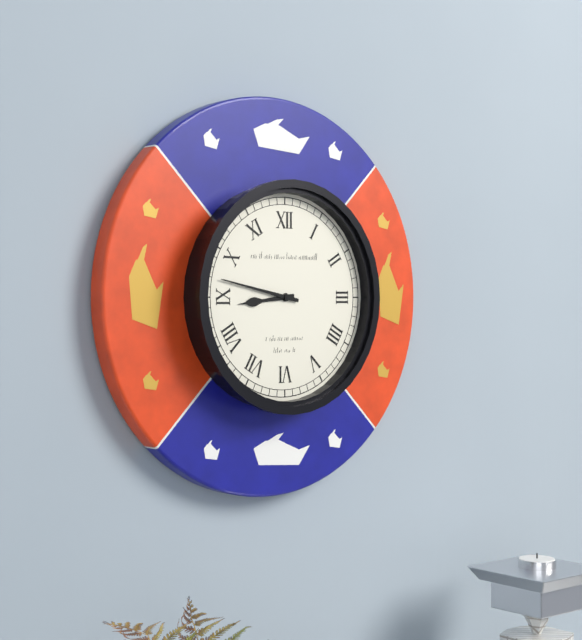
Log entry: 8:47
